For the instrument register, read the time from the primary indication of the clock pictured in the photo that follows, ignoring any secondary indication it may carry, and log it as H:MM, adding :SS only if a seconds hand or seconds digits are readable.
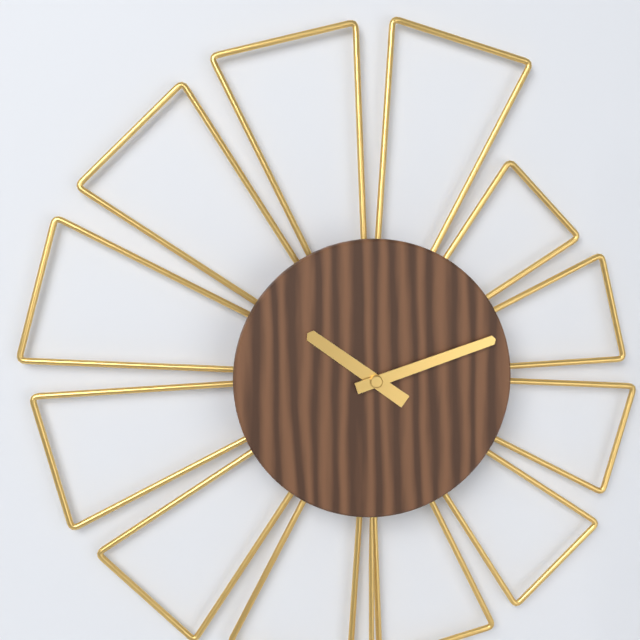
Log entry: 10:12
